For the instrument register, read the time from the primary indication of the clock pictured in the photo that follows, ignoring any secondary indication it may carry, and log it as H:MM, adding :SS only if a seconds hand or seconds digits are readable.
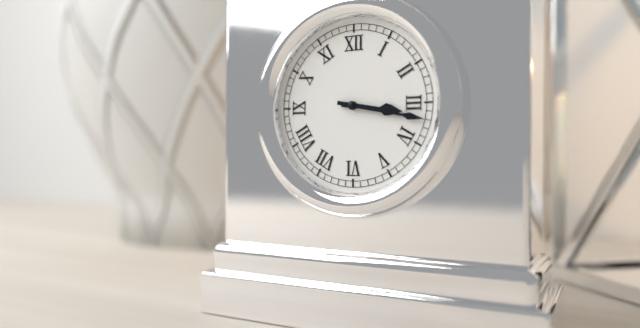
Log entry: 3:17
